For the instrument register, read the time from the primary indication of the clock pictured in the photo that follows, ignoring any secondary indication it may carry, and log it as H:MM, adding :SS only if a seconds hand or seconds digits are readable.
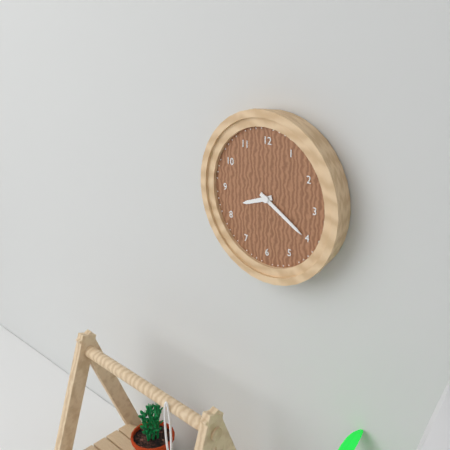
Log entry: 8:20
